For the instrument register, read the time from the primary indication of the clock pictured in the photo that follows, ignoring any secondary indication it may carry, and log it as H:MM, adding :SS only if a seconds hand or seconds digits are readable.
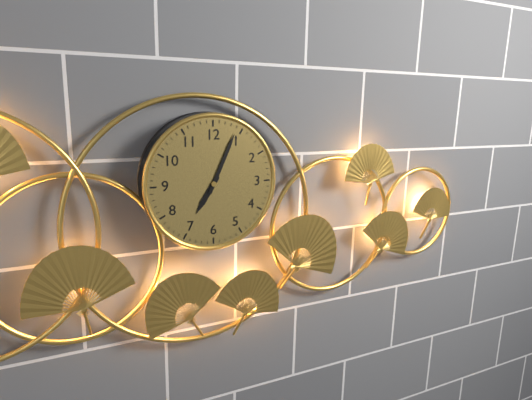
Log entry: 7:04
